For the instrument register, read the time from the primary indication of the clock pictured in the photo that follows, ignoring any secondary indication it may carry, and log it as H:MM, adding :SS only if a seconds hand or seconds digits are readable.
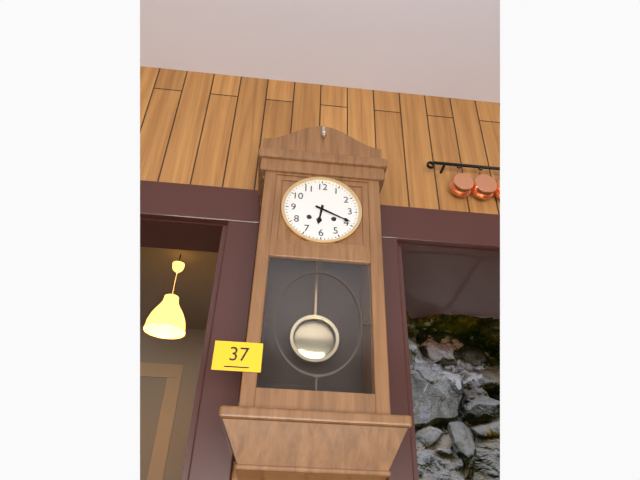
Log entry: 6:19
